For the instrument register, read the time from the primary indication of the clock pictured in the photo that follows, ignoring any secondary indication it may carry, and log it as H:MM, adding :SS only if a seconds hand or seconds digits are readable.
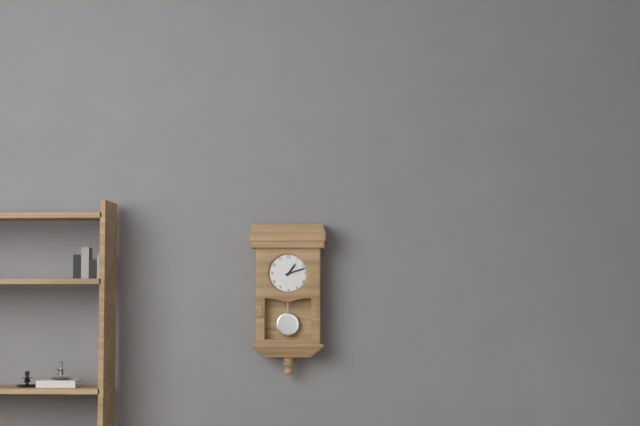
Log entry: 1:12
